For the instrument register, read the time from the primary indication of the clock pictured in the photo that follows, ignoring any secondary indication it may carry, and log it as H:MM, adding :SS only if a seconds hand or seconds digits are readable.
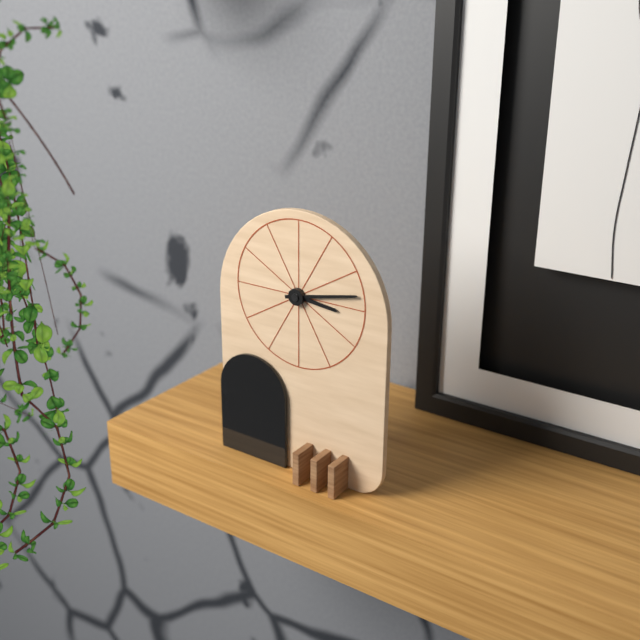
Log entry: 3:13
